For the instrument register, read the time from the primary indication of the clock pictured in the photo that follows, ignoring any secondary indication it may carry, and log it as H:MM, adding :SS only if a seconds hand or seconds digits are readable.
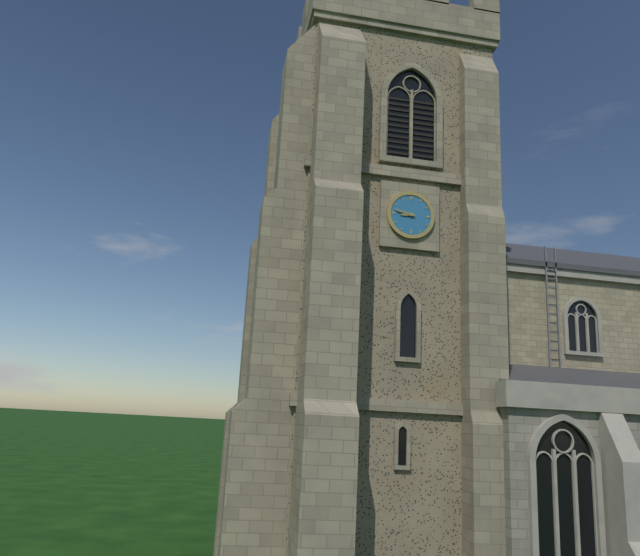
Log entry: 8:47
